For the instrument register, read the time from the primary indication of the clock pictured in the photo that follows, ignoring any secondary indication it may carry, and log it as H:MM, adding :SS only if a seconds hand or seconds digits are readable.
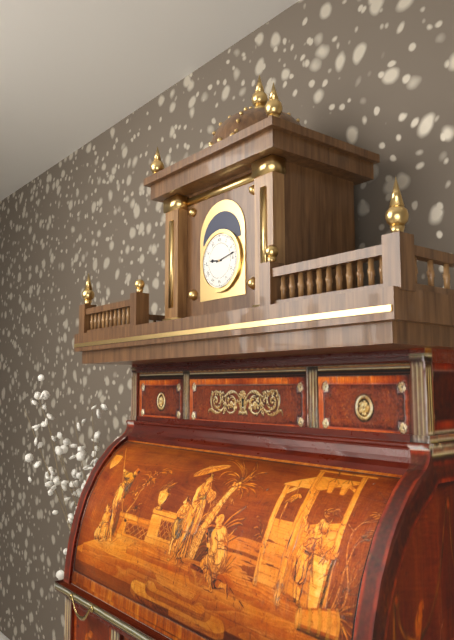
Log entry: 9:13
